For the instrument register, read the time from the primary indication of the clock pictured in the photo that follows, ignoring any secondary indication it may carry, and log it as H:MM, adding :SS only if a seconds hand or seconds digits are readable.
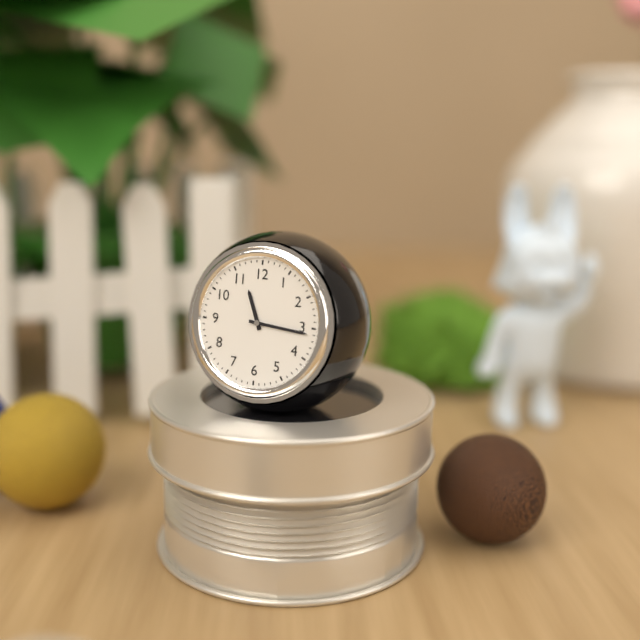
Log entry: 11:16
